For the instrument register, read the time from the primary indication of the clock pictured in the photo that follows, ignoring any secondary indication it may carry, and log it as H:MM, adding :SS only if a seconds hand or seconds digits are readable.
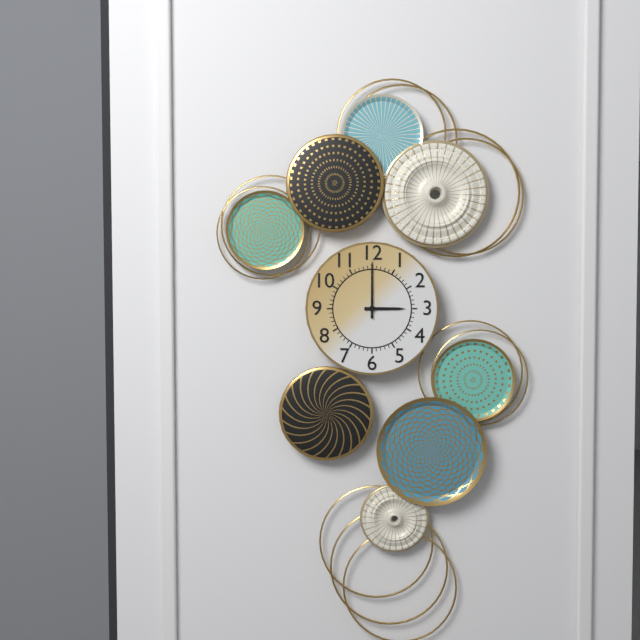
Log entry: 3:00
